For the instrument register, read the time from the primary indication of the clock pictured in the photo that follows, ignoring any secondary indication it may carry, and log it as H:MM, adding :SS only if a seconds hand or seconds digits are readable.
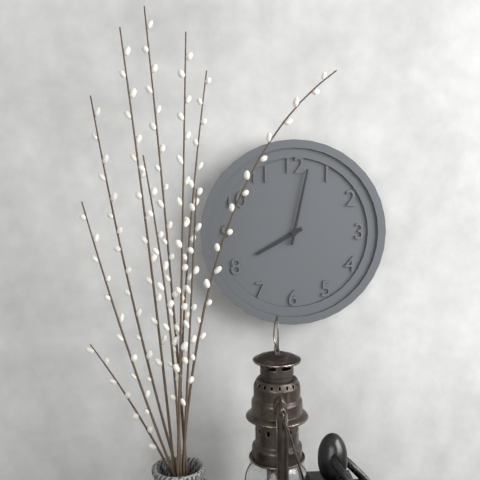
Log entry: 8:02
